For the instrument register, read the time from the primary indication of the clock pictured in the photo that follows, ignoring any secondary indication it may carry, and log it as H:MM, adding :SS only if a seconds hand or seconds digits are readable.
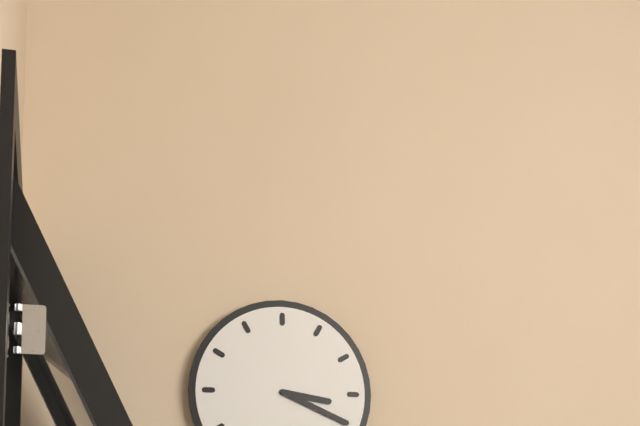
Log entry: 3:19
